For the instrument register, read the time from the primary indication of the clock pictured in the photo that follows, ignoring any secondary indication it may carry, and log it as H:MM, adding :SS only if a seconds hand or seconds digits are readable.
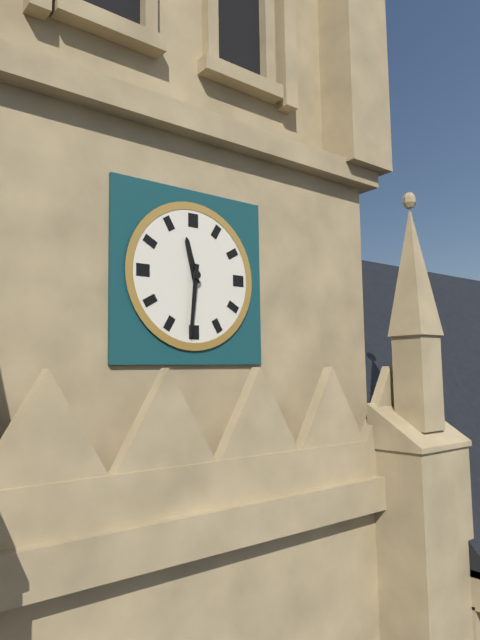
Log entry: 11:31
